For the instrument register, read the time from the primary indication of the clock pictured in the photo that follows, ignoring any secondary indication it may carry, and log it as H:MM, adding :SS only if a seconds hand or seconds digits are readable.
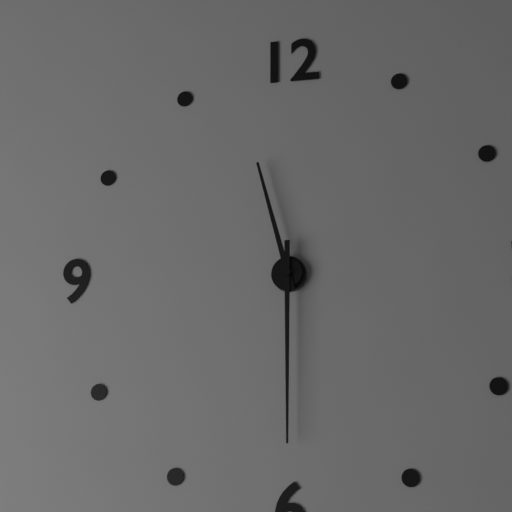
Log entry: 11:30
